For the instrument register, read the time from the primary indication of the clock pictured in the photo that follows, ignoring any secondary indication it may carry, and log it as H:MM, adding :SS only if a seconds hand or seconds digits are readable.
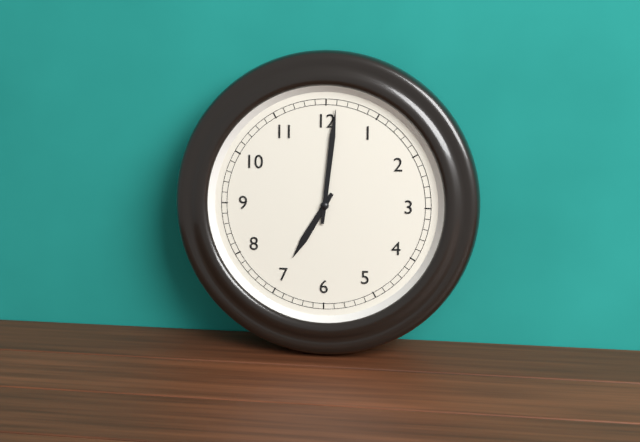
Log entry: 7:01
